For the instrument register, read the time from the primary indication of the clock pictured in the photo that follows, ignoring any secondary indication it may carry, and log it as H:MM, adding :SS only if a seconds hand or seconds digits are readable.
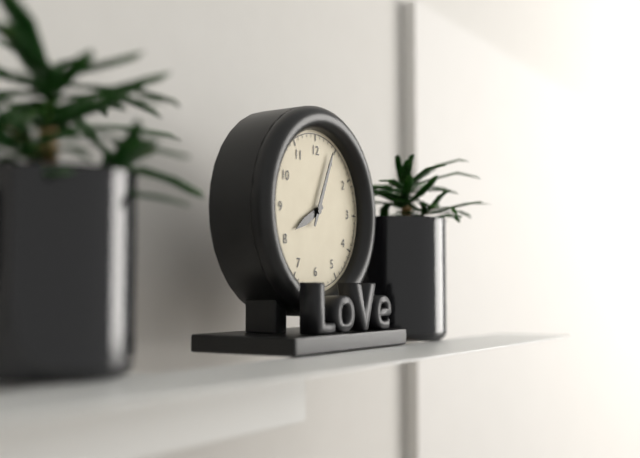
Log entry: 8:04
